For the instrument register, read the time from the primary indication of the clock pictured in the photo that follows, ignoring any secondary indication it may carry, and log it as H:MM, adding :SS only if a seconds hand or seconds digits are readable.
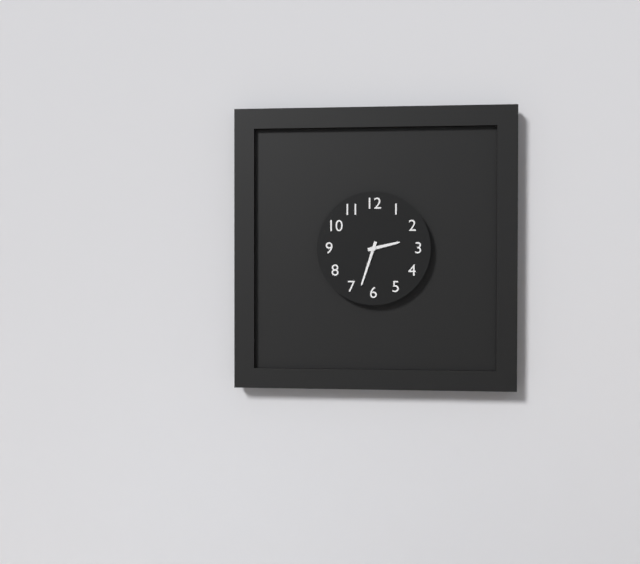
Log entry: 2:33
